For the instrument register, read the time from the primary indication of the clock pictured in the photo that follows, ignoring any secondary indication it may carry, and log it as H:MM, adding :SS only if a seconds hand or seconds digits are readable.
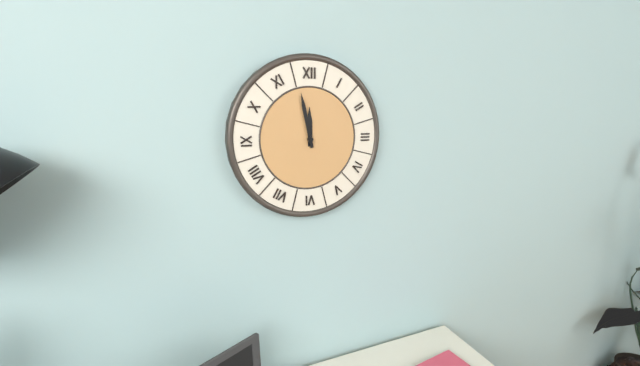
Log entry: 11:58
